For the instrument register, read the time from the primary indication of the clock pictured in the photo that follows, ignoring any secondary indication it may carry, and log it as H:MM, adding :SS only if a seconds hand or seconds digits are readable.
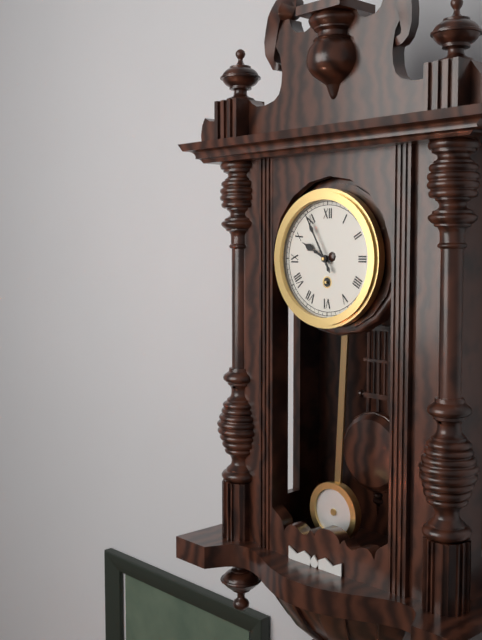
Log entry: 9:55
